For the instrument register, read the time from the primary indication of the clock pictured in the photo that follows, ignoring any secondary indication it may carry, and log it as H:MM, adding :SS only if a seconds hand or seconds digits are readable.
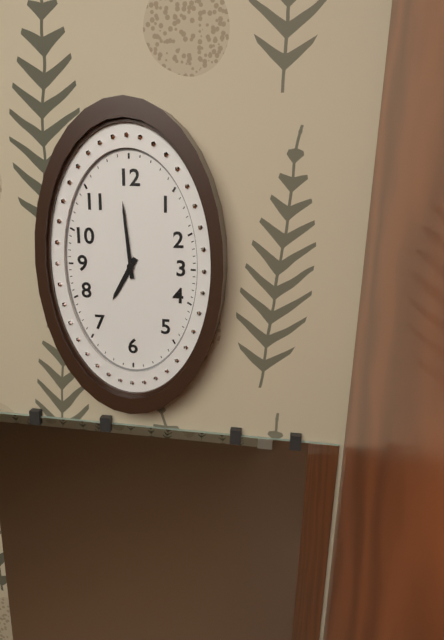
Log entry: 6:59
